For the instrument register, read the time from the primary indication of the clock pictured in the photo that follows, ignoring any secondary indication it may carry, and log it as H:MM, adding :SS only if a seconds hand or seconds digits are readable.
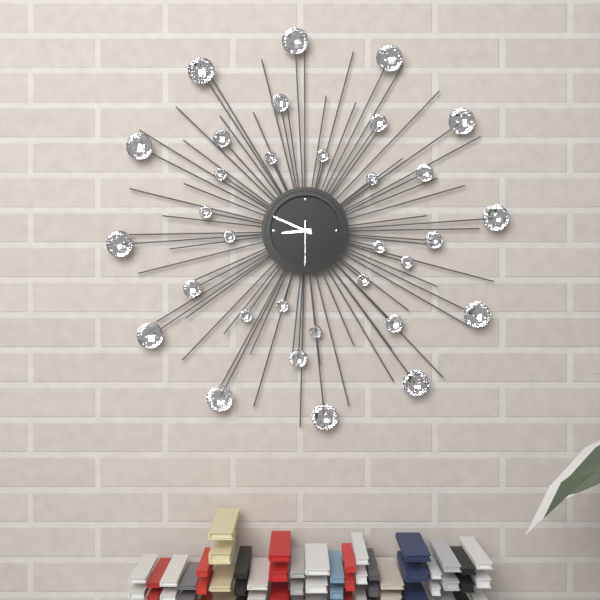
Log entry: 8:49
